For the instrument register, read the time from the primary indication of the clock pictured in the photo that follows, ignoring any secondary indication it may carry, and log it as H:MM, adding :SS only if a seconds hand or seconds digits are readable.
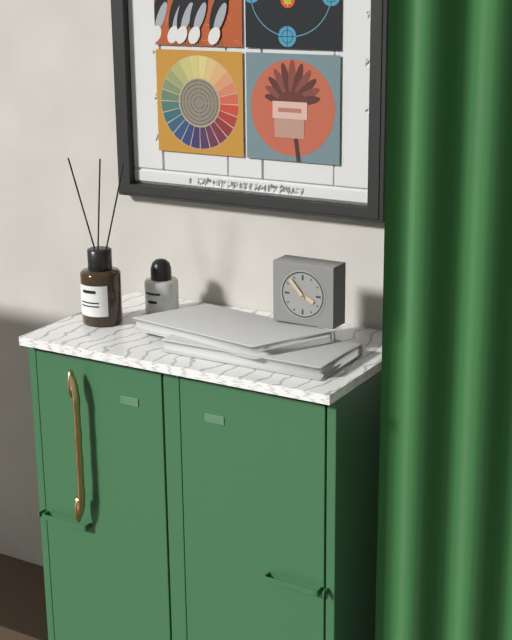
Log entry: 3:53
